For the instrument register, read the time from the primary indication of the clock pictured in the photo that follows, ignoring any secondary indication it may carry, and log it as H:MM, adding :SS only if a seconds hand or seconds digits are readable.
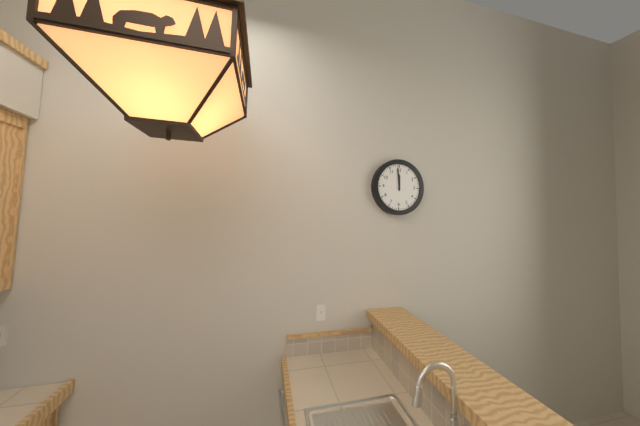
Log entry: 11:59
